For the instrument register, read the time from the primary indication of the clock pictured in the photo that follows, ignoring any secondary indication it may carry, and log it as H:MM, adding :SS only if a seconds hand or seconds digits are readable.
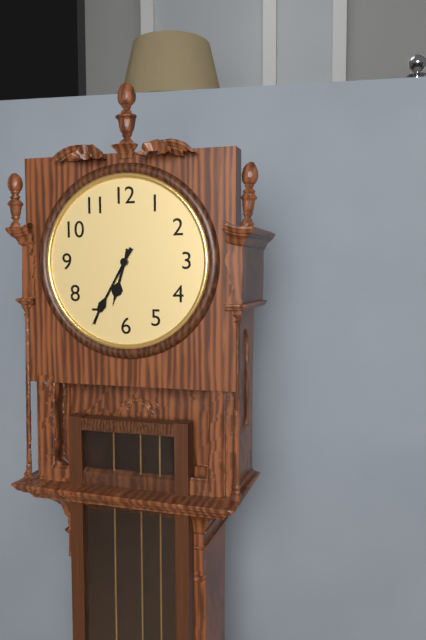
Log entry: 6:35
